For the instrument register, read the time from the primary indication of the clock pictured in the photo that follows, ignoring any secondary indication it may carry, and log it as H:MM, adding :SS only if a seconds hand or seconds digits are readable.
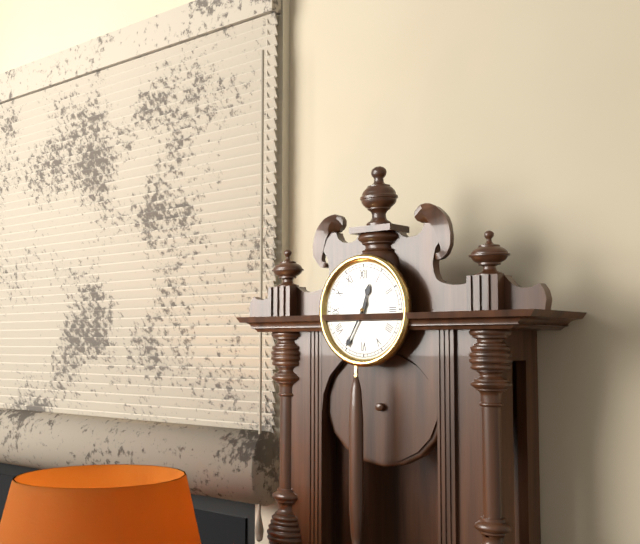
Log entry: 12:35
